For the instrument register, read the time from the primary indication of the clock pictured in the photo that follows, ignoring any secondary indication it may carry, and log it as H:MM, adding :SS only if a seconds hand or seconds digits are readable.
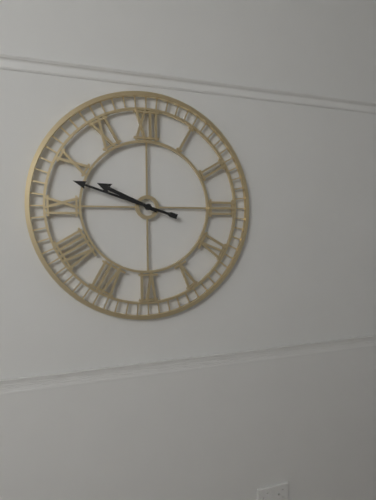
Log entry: 9:48
